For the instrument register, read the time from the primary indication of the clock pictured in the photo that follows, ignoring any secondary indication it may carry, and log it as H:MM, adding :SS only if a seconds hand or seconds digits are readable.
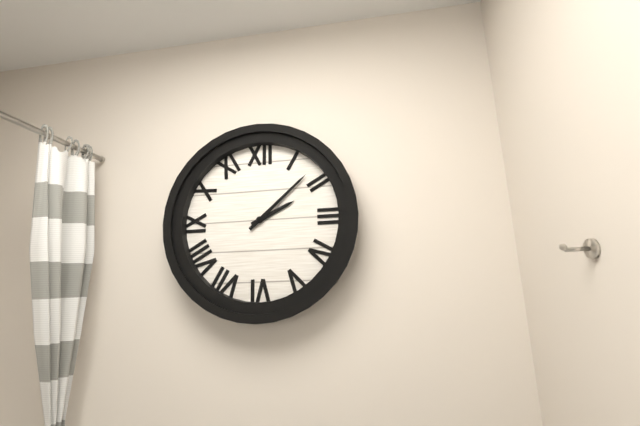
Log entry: 2:08
